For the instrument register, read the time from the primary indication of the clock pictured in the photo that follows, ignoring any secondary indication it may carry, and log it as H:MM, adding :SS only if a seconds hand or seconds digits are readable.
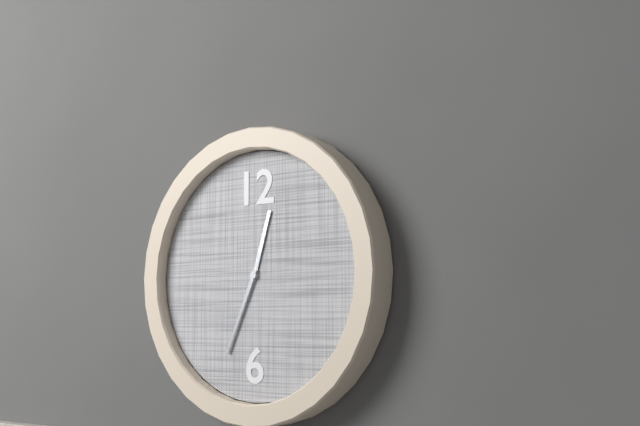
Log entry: 12:34
